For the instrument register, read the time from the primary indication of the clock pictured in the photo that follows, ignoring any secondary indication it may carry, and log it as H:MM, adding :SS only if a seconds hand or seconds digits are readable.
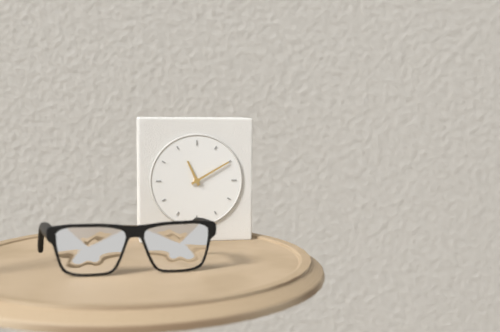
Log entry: 11:10
